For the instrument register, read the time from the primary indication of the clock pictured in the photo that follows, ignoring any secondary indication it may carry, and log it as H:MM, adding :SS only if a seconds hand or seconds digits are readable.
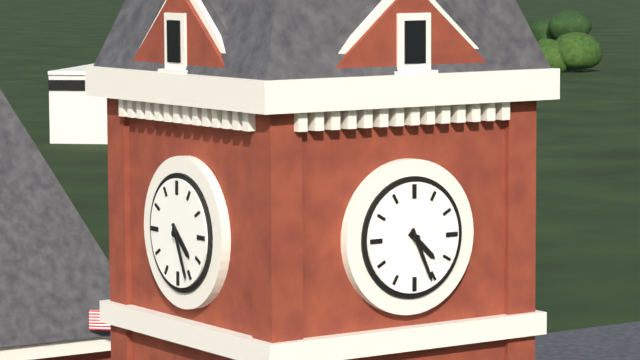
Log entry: 4:26
